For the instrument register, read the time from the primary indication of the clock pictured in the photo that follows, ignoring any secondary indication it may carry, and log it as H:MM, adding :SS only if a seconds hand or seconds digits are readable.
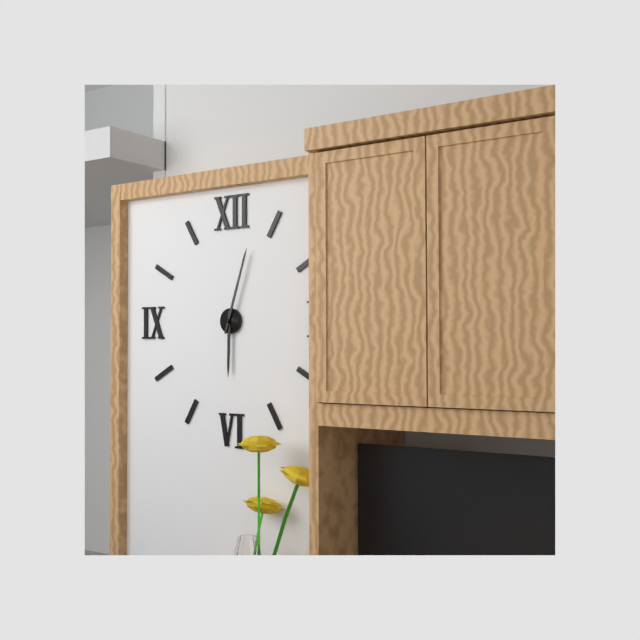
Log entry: 6:03
